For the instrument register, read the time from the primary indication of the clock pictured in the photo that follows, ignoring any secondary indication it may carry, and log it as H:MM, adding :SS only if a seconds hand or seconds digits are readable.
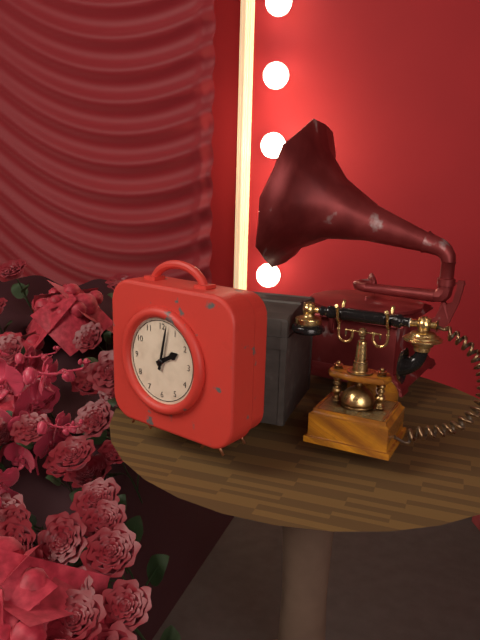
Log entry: 2:02
